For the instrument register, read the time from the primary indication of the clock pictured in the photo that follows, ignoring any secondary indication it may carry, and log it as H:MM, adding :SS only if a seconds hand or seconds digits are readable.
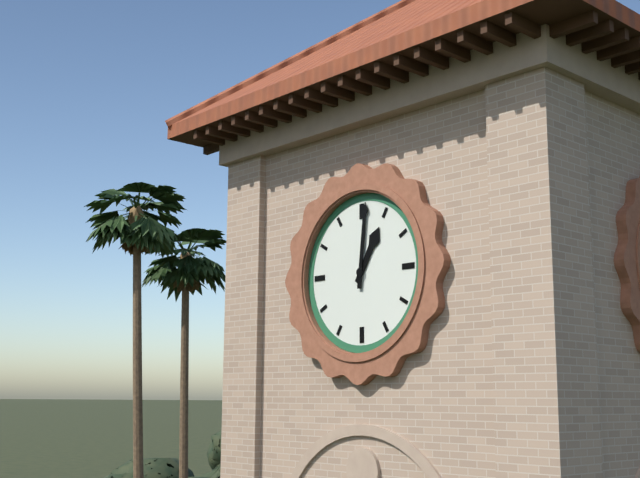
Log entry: 1:01
